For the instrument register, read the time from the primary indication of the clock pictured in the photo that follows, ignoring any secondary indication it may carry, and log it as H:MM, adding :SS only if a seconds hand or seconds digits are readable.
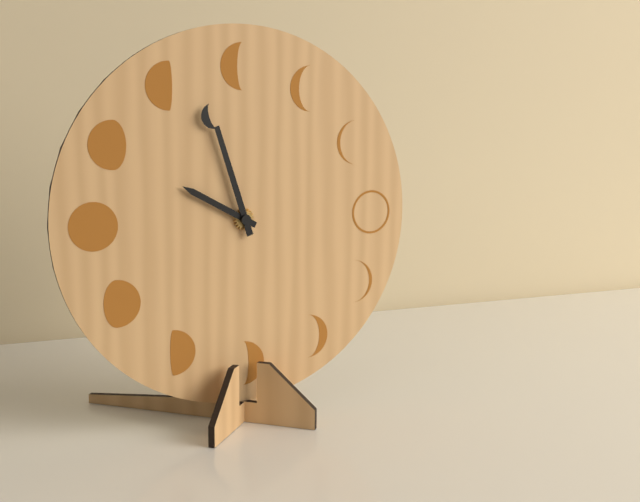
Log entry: 9:57
